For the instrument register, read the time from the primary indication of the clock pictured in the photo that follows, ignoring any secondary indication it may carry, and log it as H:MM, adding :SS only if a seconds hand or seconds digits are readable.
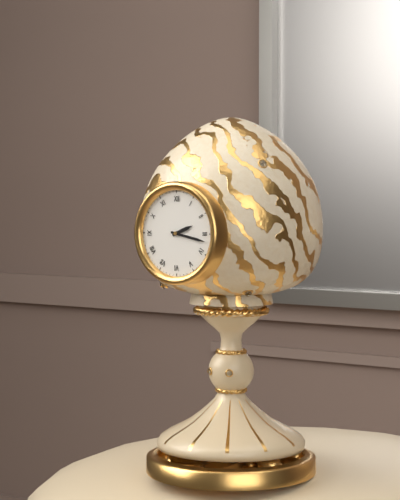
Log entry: 2:17
